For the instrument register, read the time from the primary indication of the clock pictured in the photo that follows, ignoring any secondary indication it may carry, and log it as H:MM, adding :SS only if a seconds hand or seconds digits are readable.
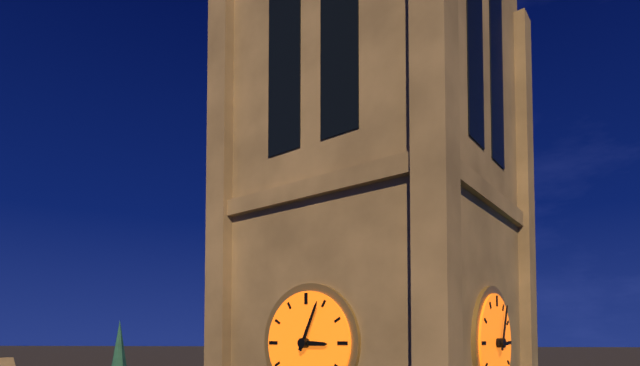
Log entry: 3:04
